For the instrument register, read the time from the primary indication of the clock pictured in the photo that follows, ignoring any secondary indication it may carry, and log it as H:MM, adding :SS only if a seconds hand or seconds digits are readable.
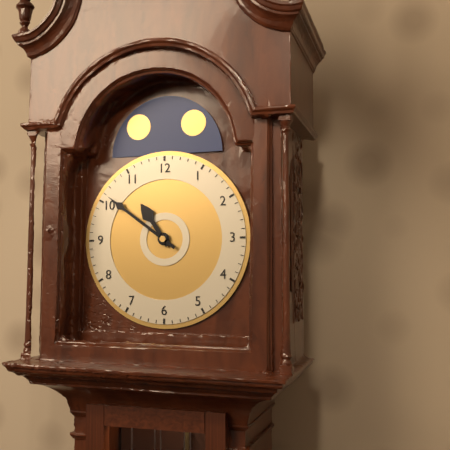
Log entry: 10:51
